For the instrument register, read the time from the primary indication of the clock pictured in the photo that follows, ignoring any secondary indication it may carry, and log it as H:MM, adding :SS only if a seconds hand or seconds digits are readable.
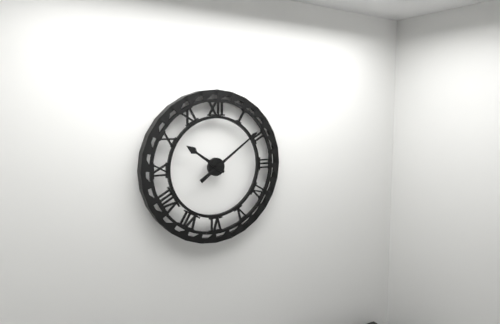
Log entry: 10:09
